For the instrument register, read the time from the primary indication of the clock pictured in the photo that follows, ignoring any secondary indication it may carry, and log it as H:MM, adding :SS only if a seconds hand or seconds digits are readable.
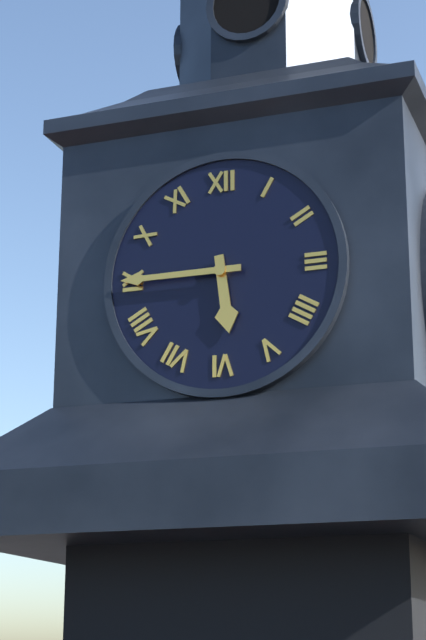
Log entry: 5:45
